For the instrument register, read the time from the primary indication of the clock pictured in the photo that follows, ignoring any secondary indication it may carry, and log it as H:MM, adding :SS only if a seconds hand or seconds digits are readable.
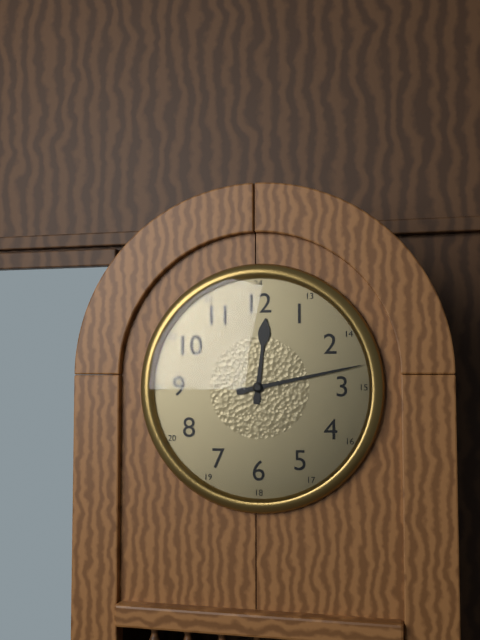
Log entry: 12:13
